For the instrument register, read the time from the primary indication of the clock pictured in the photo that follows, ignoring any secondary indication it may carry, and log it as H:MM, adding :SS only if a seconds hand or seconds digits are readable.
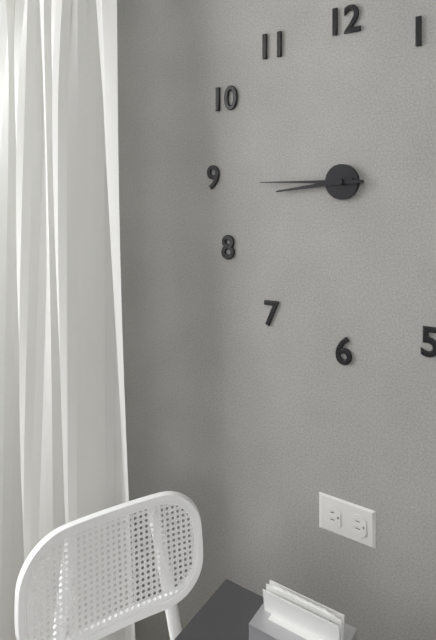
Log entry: 8:45
